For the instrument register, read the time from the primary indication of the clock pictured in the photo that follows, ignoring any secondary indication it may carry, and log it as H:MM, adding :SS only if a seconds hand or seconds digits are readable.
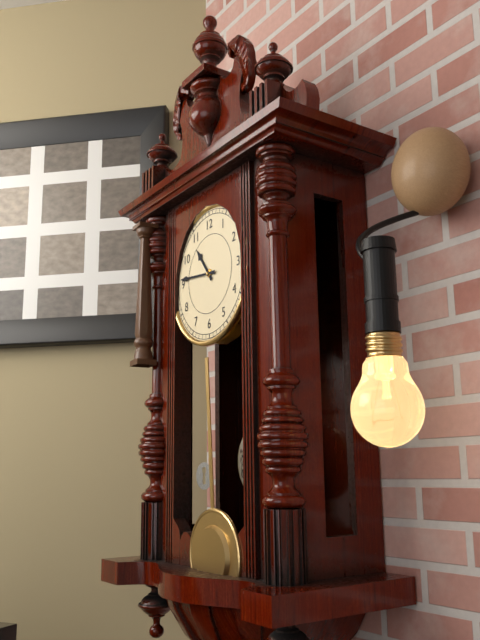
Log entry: 10:46
